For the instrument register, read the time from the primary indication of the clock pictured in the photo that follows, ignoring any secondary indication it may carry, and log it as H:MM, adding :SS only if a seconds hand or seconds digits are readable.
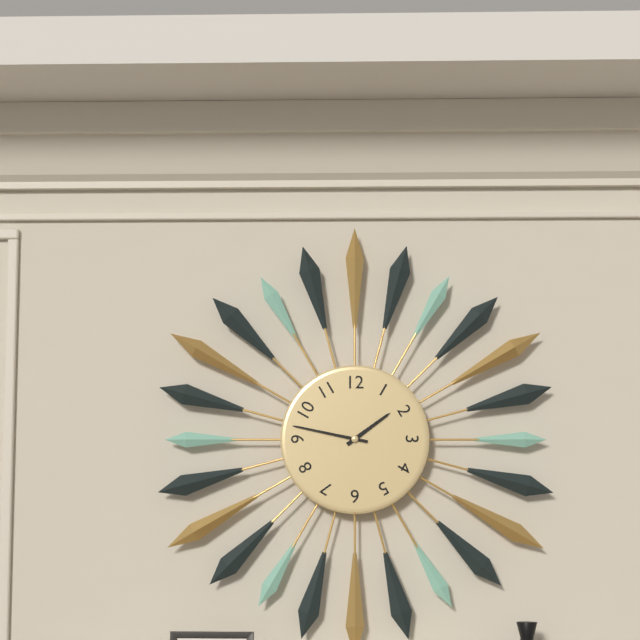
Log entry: 1:47
